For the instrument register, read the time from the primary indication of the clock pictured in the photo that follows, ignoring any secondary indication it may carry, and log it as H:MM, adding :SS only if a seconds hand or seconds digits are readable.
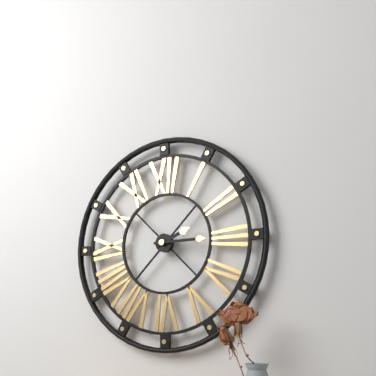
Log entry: 2:15
